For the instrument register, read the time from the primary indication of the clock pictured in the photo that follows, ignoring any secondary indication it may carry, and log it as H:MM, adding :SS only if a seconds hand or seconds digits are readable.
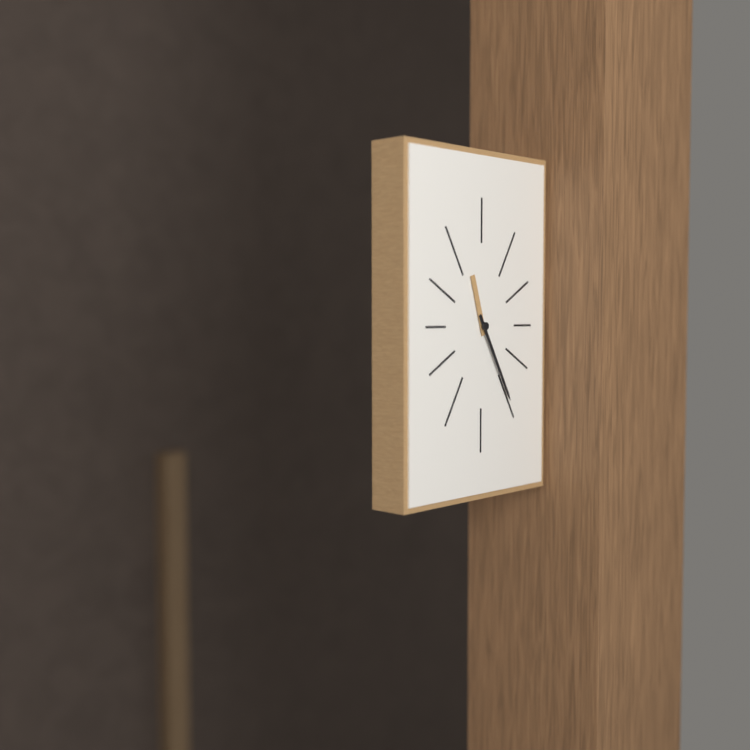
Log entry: 11:25
